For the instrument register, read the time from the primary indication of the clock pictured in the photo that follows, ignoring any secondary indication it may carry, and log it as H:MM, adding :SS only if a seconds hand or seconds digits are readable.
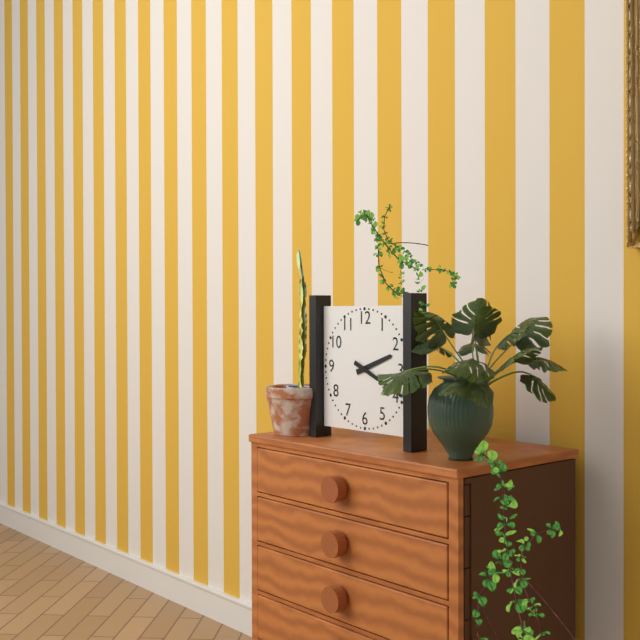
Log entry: 2:19
